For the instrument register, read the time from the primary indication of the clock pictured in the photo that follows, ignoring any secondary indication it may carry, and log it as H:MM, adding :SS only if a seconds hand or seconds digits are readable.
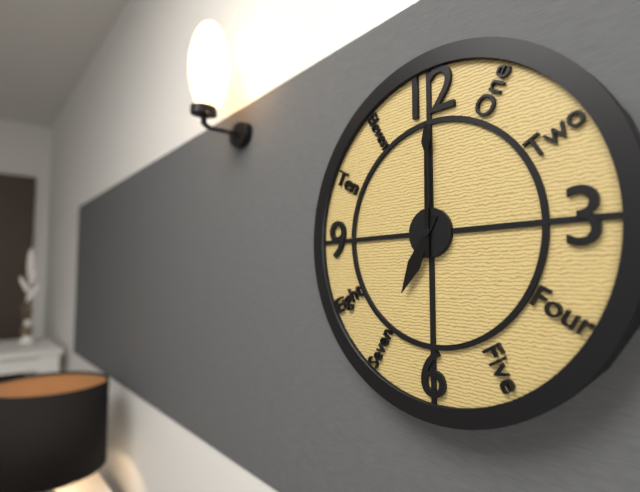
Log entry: 7:00
